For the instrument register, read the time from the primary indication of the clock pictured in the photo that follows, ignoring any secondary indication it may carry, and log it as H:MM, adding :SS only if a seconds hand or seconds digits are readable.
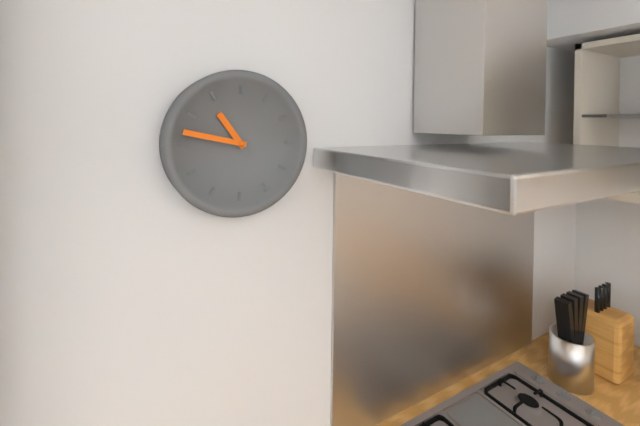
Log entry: 10:47
